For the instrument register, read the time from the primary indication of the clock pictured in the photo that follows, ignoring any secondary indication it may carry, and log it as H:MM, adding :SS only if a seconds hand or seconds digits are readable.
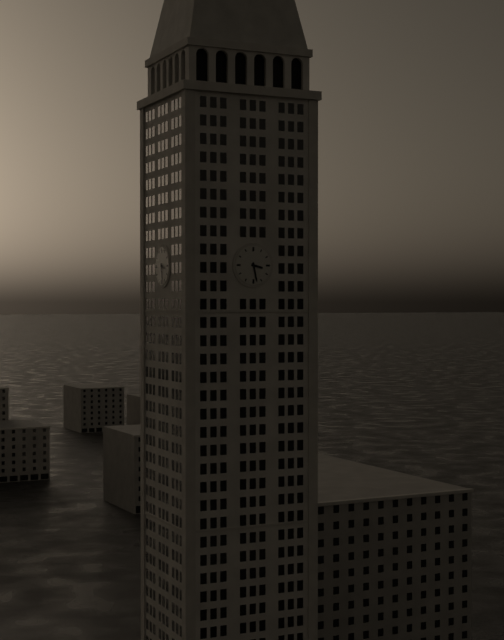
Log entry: 3:28
